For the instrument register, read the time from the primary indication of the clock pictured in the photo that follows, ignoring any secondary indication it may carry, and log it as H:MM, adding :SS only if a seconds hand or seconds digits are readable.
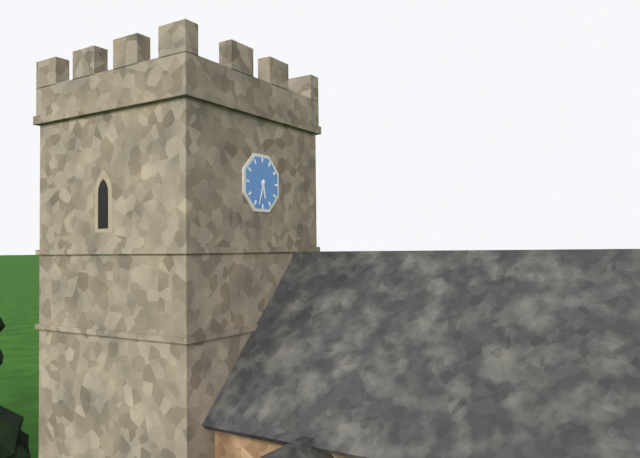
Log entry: 5:33
